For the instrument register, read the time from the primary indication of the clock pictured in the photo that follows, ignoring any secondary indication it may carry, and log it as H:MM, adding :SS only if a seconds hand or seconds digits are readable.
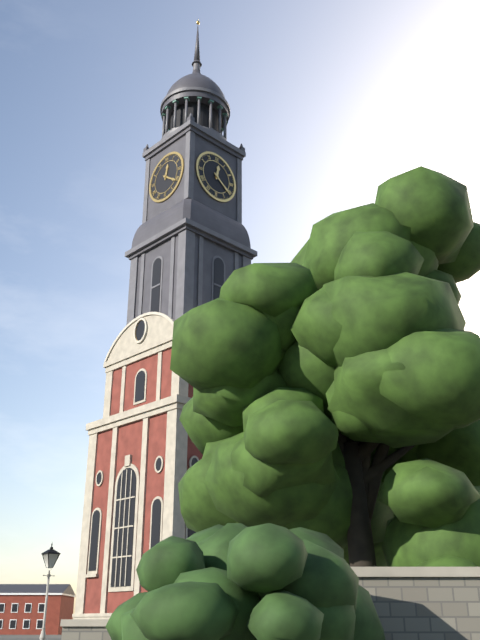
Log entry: 12:21
